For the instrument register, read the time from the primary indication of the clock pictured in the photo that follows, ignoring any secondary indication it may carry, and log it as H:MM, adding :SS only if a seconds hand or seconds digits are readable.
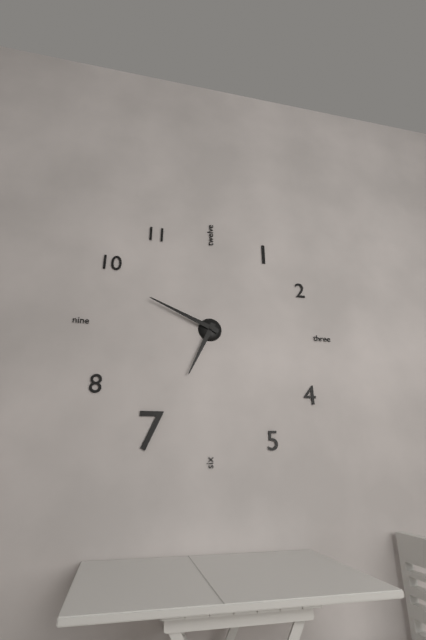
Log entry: 6:49
